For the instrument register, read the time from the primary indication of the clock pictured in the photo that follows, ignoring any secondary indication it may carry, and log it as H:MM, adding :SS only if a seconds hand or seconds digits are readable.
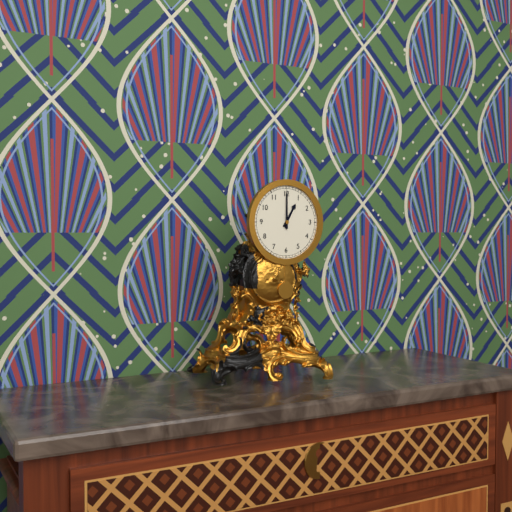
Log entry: 1:00
